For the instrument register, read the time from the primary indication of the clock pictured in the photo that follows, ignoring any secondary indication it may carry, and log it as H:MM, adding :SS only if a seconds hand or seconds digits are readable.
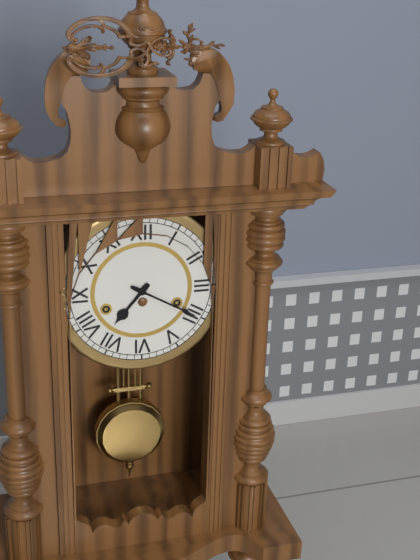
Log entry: 7:20
